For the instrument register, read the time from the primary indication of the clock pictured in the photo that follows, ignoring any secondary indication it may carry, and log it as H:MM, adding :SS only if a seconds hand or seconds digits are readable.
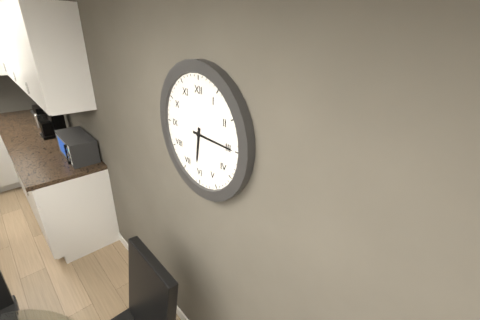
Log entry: 6:15
